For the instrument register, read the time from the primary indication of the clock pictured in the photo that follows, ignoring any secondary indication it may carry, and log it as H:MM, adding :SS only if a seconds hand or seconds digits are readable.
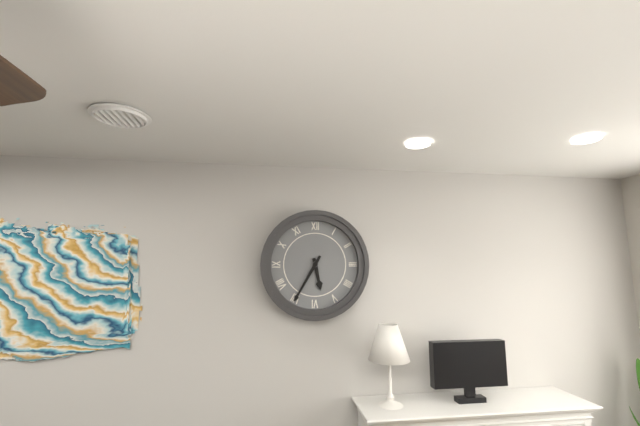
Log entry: 5:35
